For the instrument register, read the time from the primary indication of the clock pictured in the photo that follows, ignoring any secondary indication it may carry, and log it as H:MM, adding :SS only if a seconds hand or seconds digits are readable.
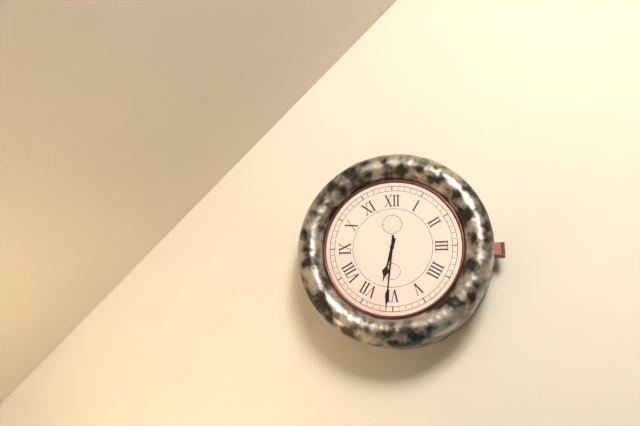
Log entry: 6:31
